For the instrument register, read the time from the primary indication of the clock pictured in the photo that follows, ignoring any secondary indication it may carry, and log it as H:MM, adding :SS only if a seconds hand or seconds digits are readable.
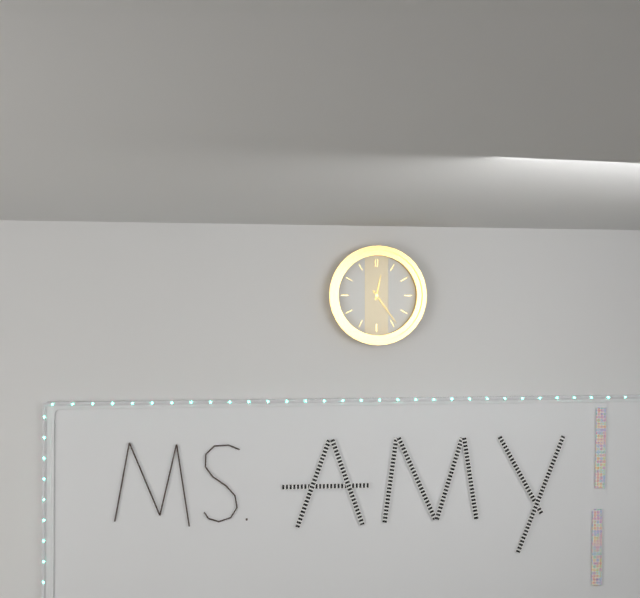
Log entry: 12:24
